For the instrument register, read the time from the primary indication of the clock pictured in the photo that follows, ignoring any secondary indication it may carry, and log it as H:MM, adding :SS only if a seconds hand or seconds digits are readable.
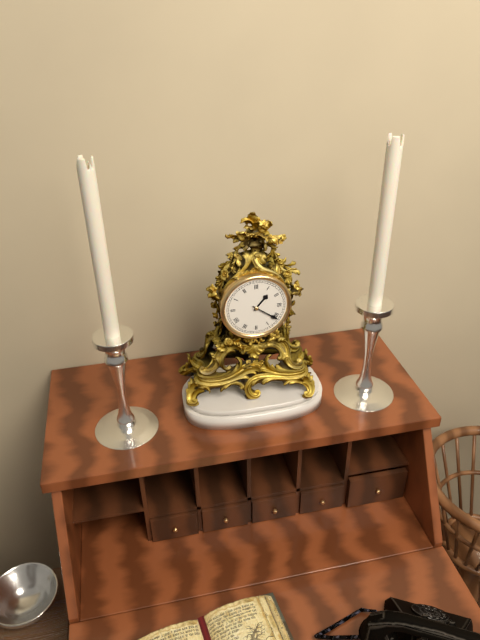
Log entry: 1:21
